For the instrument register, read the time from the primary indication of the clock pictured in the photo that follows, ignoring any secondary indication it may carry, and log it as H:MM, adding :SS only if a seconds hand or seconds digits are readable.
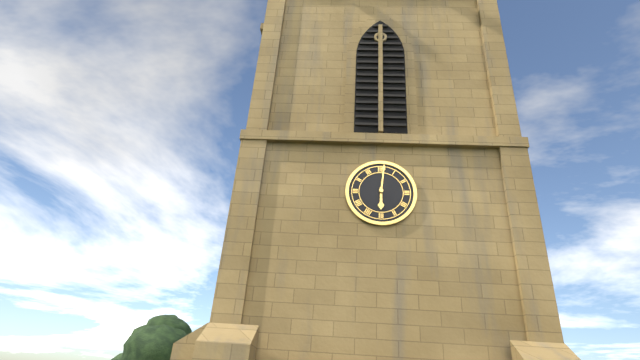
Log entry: 6:01
